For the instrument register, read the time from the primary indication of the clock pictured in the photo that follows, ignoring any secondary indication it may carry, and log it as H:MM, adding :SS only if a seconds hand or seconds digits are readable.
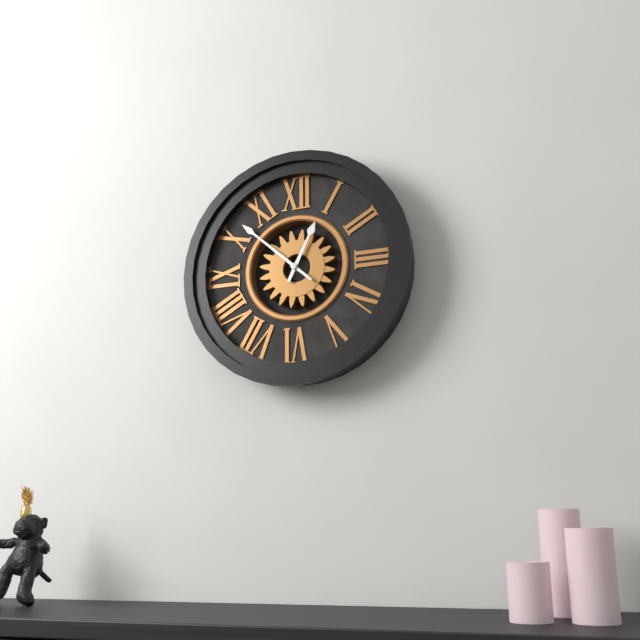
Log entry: 12:52
